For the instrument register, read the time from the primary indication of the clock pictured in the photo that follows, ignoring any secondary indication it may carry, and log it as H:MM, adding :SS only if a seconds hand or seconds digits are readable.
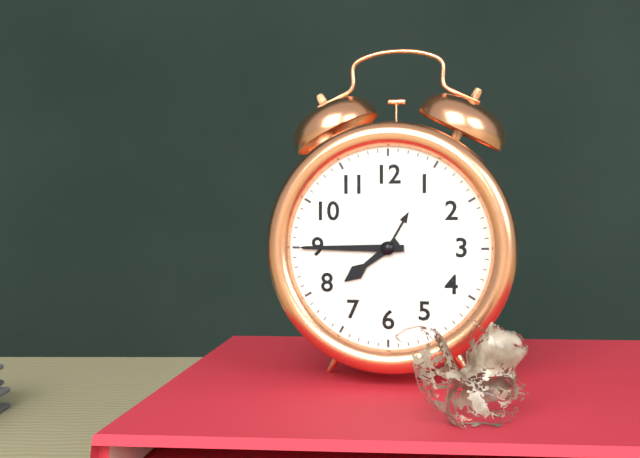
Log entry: 7:45
